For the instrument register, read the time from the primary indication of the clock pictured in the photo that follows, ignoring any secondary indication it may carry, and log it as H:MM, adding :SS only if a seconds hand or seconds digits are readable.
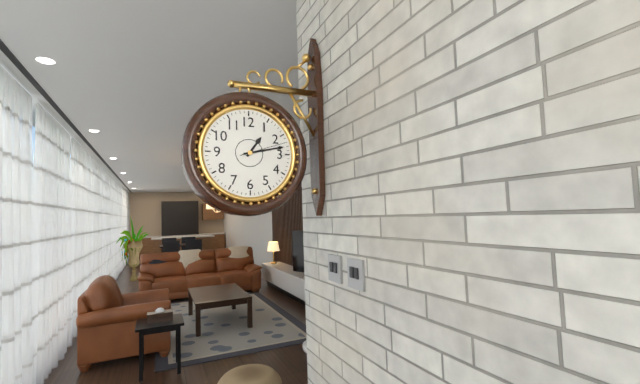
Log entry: 1:13
